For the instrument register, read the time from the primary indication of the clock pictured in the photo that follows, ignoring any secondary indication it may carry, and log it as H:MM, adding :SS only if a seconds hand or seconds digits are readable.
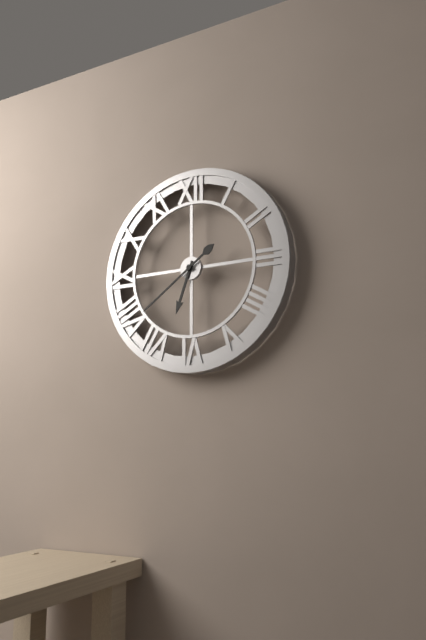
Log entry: 6:39
